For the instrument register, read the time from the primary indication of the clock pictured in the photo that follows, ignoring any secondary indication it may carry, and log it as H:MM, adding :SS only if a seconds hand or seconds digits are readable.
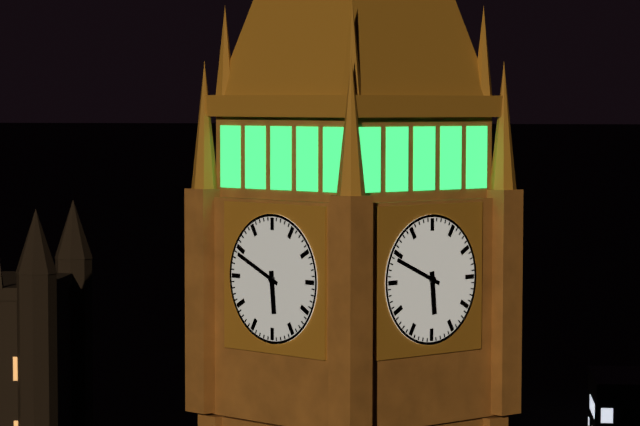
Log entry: 5:49
